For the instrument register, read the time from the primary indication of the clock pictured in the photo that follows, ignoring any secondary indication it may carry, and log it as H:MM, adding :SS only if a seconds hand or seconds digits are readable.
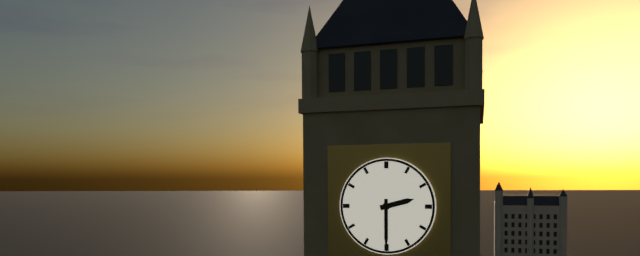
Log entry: 2:30
